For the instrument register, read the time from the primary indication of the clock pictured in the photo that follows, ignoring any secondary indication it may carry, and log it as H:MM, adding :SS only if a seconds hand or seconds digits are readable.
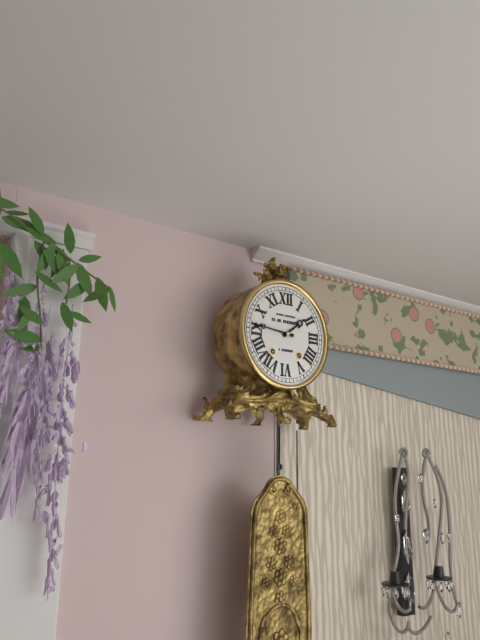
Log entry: 1:46
